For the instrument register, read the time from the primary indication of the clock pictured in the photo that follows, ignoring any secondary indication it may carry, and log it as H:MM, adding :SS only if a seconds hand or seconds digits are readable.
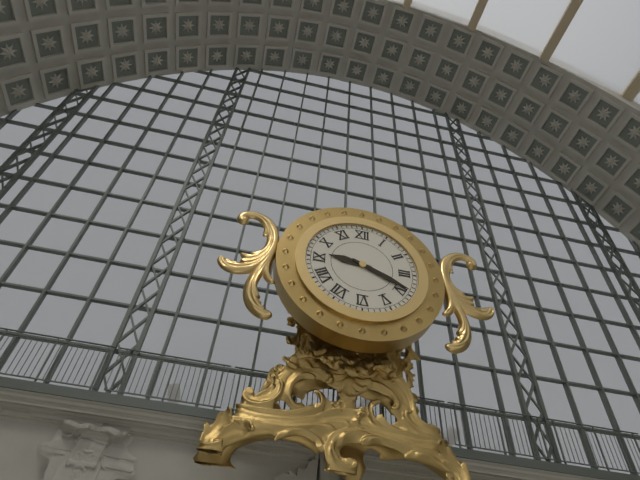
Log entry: 9:19
